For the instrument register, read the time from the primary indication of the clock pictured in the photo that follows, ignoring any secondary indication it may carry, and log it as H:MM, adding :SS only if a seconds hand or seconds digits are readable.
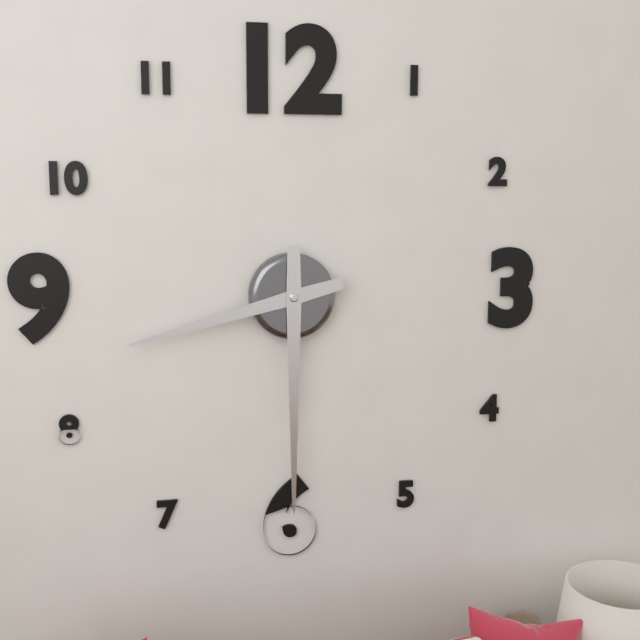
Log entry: 8:30
